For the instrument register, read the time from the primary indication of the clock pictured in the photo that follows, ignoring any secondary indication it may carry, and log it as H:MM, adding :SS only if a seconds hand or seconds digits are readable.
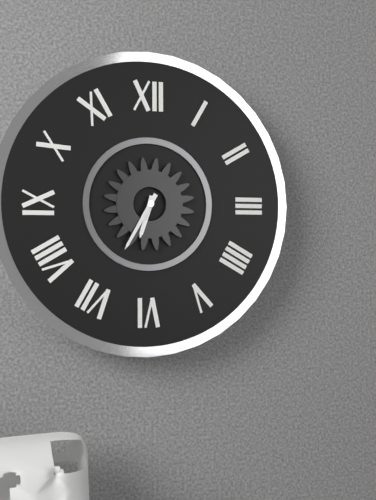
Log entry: 6:35
